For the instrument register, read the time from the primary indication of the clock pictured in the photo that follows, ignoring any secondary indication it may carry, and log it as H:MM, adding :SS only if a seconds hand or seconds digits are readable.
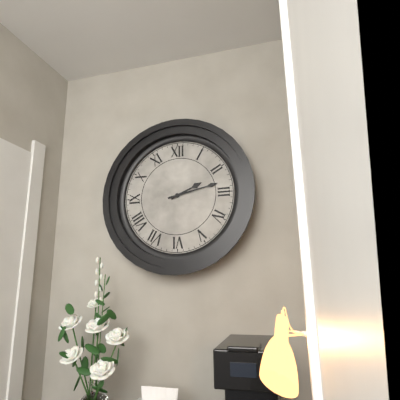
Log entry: 2:13
